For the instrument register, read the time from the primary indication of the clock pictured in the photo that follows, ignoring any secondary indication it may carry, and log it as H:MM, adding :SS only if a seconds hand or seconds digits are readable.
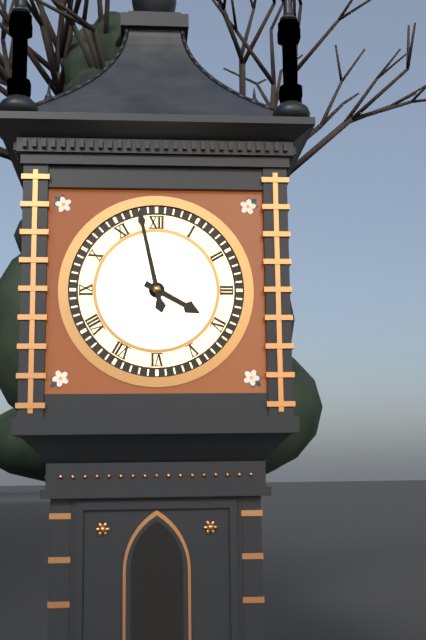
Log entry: 3:58
